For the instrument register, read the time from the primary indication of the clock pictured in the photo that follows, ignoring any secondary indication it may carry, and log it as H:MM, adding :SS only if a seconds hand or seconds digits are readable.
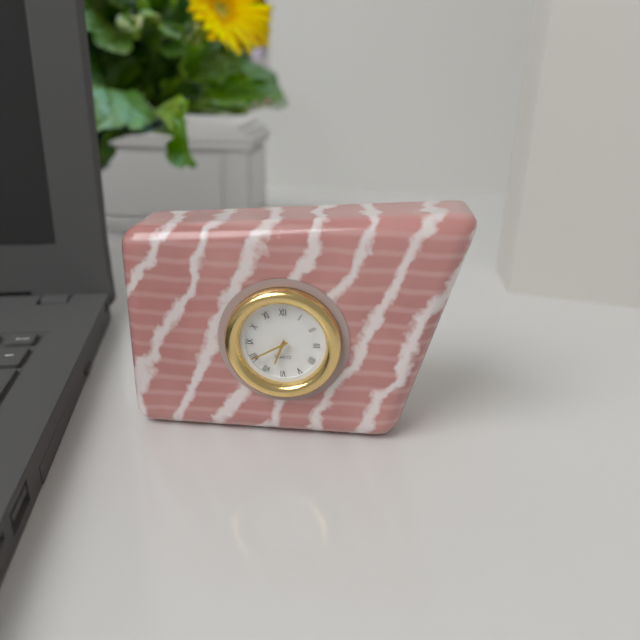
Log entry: 6:40
